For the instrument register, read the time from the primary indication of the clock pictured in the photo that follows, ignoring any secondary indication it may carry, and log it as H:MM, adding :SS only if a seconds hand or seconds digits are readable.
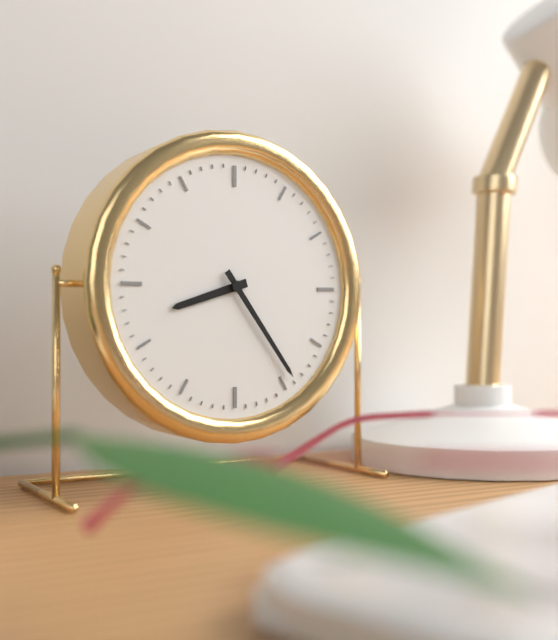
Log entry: 8:24
